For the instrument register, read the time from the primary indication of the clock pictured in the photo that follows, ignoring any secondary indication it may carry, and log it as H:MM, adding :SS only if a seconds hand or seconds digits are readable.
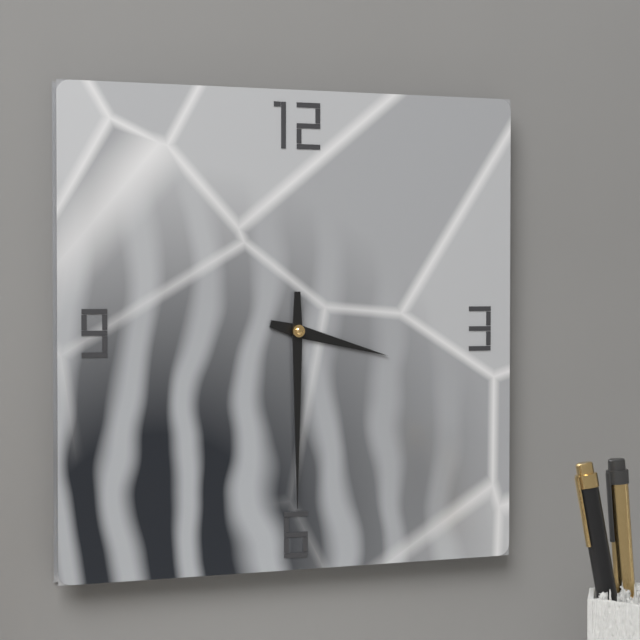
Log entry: 3:30
